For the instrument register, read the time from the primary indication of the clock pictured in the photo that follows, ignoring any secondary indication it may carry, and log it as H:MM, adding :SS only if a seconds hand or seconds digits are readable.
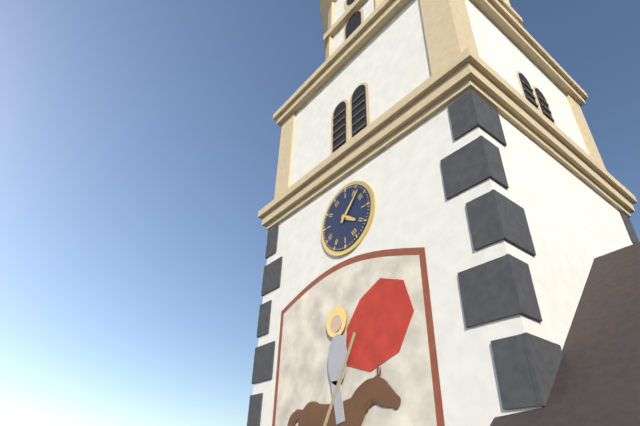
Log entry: 4:07
